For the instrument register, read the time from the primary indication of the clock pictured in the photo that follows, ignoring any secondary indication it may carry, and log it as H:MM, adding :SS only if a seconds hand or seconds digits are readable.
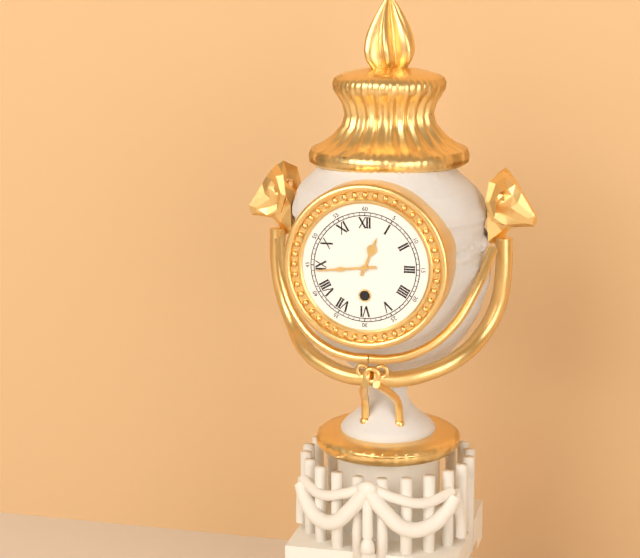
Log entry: 12:44
